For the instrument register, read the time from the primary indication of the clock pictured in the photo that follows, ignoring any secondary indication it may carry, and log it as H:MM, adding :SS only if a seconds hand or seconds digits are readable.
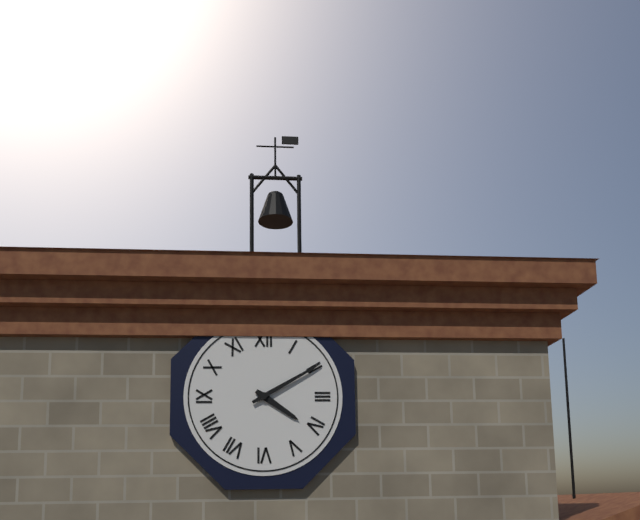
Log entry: 4:10
